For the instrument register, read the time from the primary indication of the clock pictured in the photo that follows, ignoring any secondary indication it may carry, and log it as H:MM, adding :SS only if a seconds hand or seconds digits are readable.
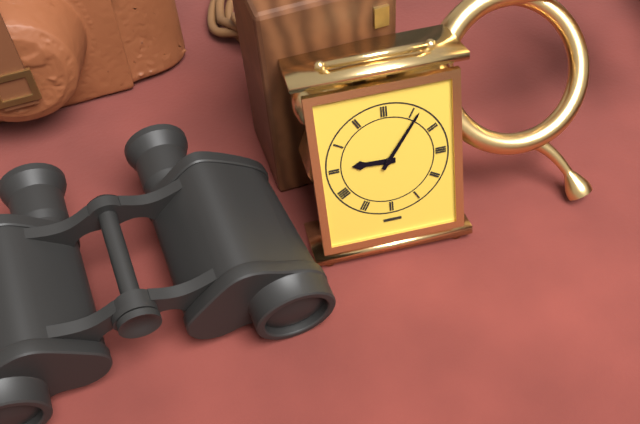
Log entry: 9:06
